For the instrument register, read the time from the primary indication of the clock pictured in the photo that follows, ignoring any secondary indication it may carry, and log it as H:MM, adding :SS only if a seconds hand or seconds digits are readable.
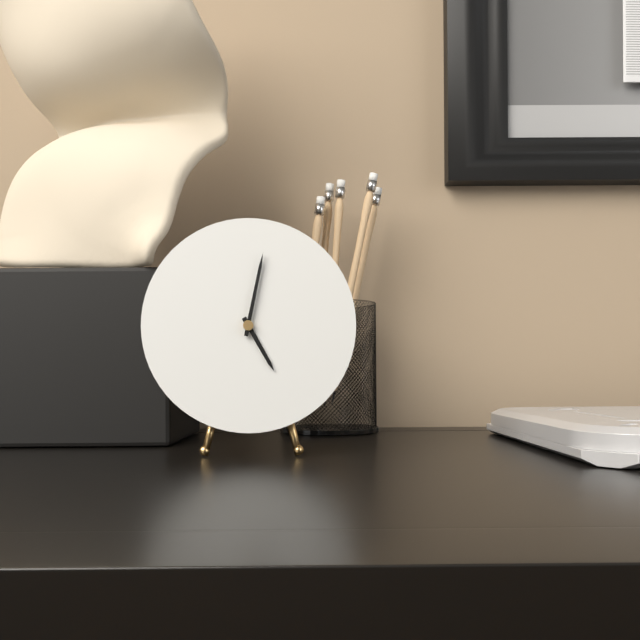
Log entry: 5:02
